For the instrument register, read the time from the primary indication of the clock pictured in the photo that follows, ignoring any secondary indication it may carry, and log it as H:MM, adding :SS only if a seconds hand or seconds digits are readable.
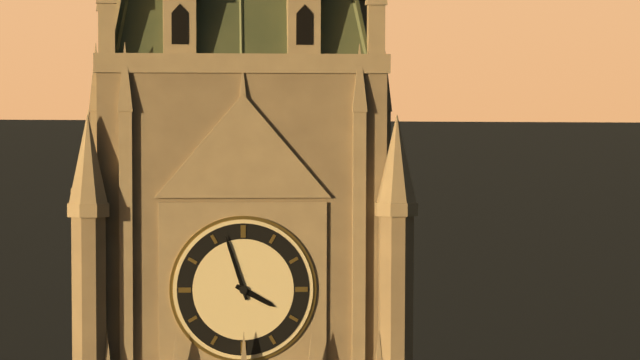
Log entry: 3:57
